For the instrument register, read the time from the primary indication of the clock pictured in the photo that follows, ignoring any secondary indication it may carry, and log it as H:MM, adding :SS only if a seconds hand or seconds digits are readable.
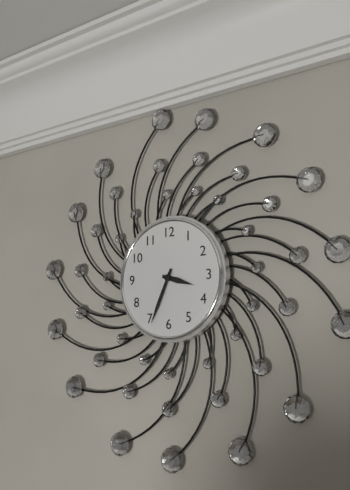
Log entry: 3:34
